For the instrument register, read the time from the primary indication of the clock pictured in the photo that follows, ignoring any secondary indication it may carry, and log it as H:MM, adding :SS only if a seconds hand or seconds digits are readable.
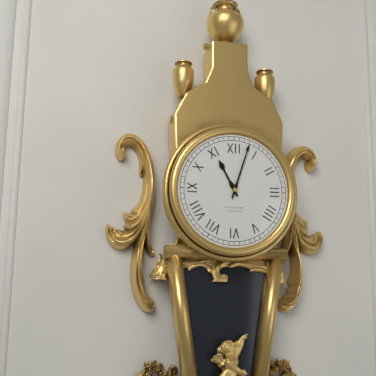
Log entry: 11:03
